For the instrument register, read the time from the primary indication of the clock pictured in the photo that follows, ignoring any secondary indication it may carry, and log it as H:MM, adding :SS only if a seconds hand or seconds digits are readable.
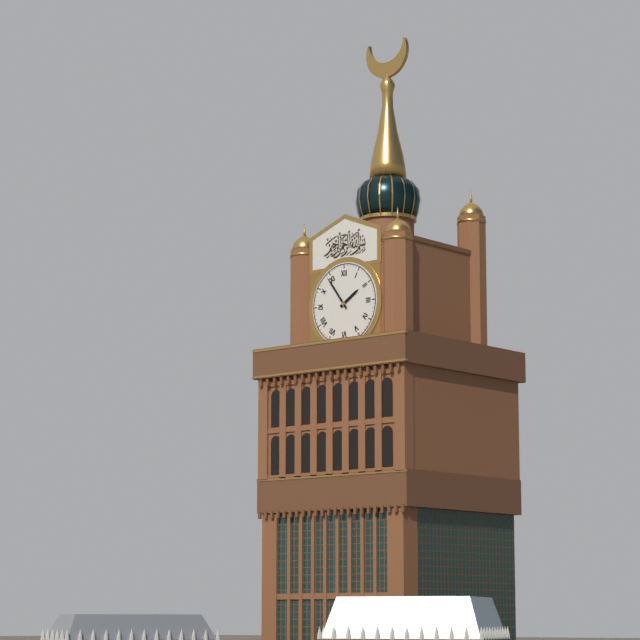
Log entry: 1:54
